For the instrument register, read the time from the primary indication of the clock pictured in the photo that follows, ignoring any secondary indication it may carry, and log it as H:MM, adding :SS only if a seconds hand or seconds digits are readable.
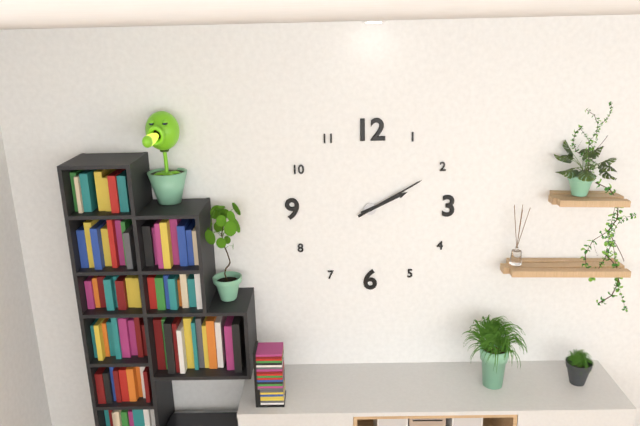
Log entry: 2:10
